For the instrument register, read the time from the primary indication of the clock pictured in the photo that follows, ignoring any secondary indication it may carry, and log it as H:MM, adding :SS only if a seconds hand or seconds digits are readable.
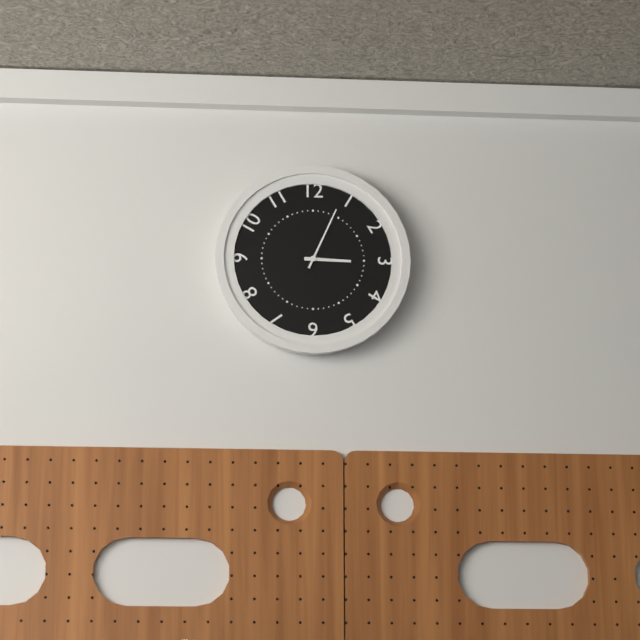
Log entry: 3:04
